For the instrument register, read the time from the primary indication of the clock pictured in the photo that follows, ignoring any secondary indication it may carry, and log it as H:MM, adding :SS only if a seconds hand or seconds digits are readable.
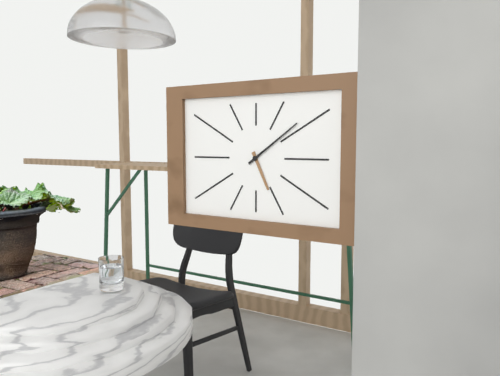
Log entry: 5:09
